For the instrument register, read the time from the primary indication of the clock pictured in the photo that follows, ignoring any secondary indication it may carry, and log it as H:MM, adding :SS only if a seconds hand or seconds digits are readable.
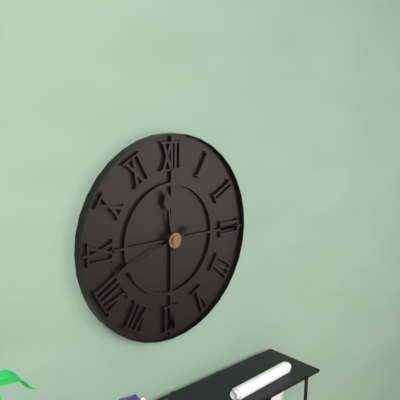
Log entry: 11:42
